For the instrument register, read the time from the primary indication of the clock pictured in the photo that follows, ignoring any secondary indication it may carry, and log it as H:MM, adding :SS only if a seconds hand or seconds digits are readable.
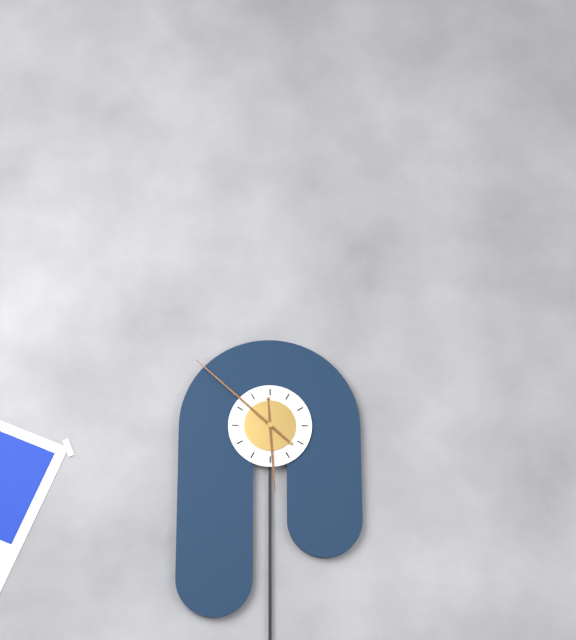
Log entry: 5:52
